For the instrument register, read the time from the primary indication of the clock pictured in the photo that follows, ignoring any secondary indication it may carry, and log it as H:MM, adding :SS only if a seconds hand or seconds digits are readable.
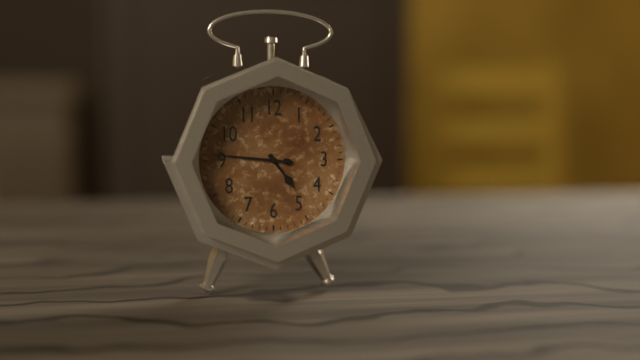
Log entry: 4:46
